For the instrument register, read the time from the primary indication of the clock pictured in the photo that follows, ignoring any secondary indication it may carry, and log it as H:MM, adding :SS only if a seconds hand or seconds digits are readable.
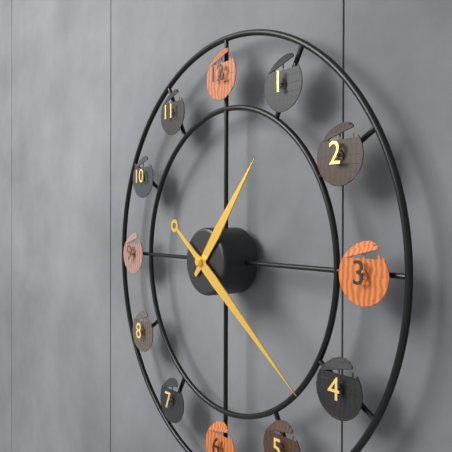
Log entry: 1:21
